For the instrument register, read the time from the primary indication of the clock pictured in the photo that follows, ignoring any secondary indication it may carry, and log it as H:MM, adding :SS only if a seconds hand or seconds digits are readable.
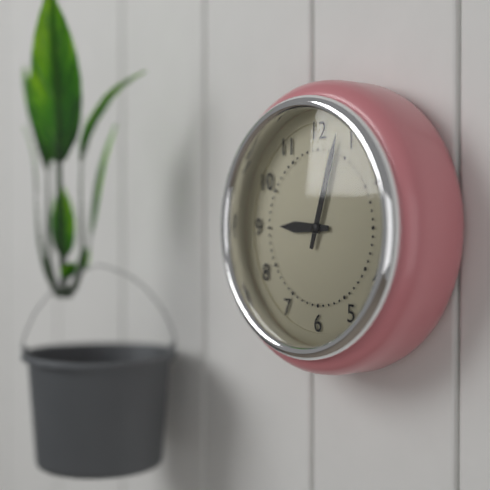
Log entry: 9:03
